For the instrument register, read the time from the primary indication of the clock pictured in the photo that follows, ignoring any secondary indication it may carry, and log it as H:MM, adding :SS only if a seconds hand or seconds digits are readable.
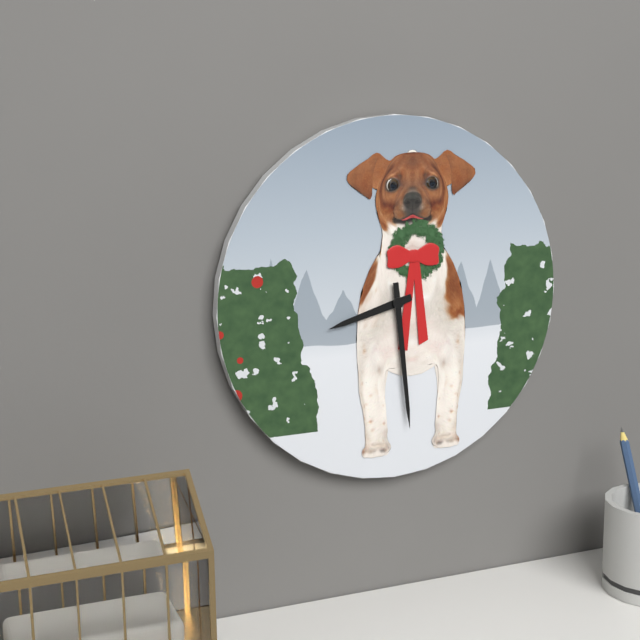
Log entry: 8:29
